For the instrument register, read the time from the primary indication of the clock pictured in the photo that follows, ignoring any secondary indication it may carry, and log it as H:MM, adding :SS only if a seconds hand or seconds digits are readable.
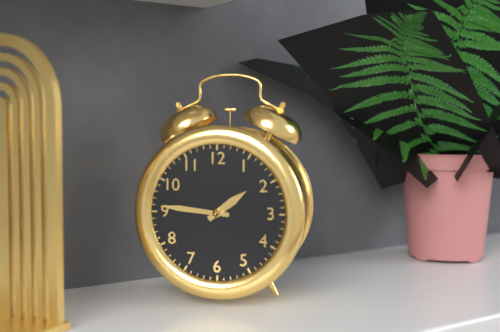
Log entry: 1:46
